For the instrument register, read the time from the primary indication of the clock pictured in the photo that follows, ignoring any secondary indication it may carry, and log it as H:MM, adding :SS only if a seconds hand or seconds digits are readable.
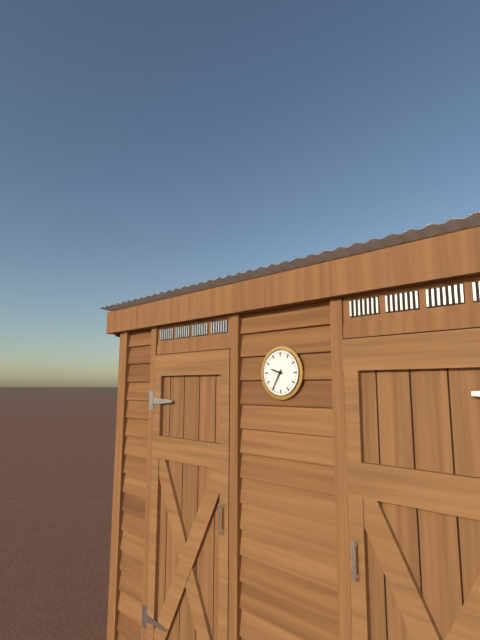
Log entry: 9:35
